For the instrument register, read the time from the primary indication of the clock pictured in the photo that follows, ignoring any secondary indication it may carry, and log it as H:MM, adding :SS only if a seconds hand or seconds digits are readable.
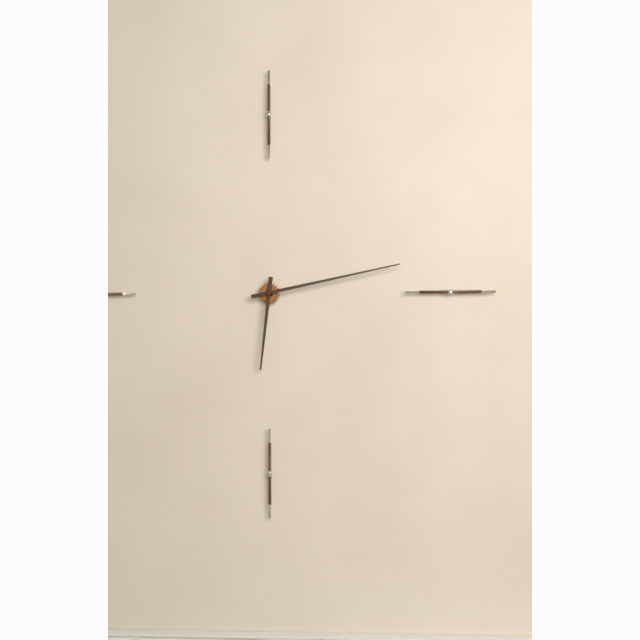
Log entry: 6:13
